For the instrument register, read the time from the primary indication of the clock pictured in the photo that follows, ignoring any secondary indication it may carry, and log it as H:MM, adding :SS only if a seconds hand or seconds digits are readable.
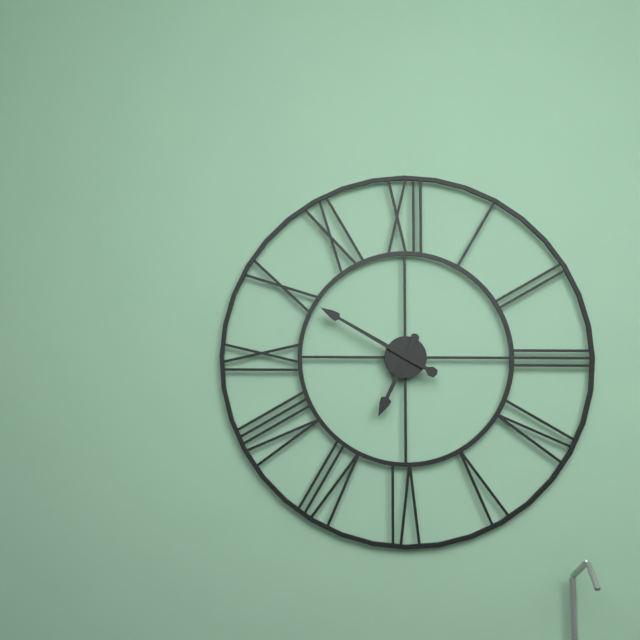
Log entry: 6:50
